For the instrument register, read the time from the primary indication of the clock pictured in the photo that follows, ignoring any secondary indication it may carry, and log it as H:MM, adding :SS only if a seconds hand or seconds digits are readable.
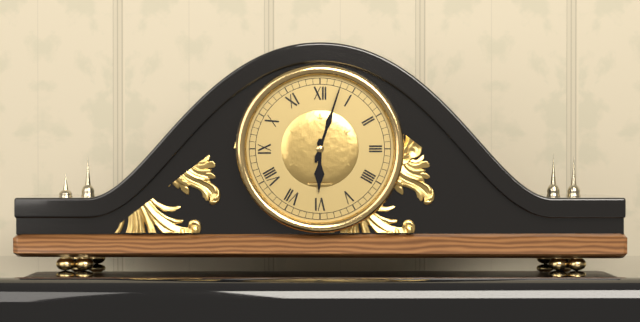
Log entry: 6:03
